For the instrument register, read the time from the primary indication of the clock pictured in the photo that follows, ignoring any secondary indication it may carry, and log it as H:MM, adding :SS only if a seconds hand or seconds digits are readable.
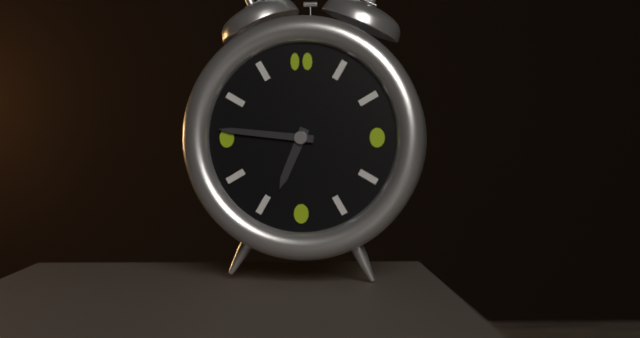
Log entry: 6:46
